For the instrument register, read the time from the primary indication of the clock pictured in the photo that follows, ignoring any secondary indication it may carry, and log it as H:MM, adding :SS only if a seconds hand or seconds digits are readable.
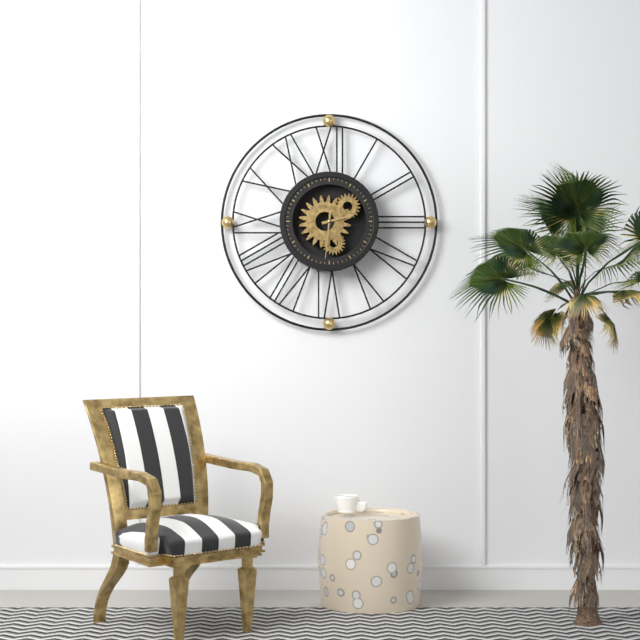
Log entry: 2:31
